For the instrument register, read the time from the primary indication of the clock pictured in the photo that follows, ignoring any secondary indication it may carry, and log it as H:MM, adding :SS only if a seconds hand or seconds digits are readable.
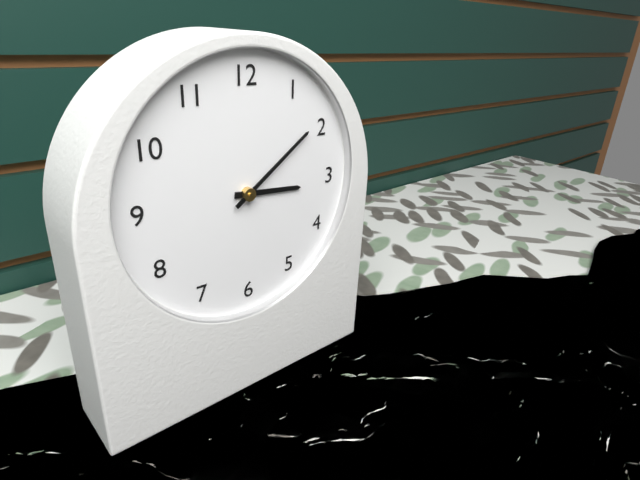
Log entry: 3:09
